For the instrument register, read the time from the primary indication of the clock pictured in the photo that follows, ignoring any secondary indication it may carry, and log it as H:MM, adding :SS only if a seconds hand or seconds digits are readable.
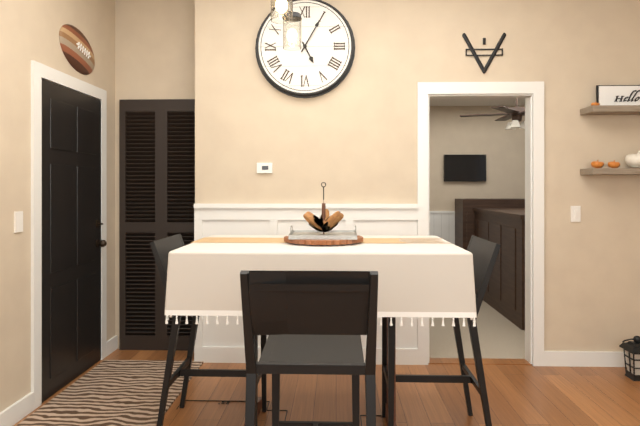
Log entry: 5:05
